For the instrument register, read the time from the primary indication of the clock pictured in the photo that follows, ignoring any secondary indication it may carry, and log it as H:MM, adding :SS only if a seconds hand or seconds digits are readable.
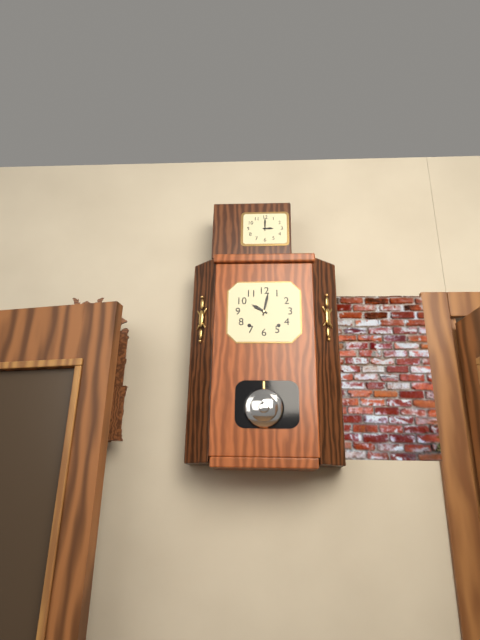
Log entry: 10:02
